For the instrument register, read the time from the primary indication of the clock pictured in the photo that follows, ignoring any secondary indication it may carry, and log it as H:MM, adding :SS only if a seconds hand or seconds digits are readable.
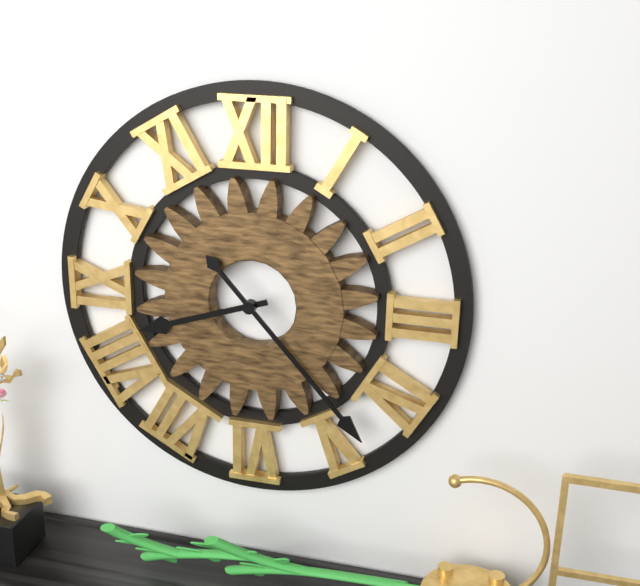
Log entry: 8:23
